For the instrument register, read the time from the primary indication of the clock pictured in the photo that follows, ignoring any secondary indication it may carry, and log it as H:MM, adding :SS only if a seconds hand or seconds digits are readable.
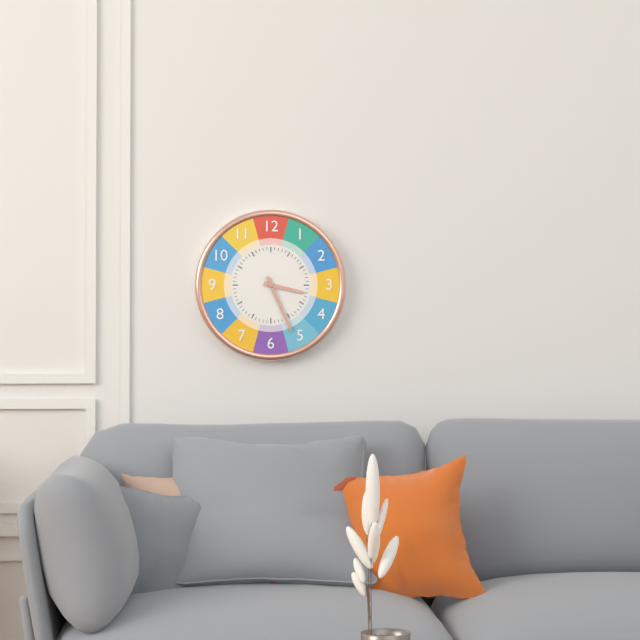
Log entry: 3:26
